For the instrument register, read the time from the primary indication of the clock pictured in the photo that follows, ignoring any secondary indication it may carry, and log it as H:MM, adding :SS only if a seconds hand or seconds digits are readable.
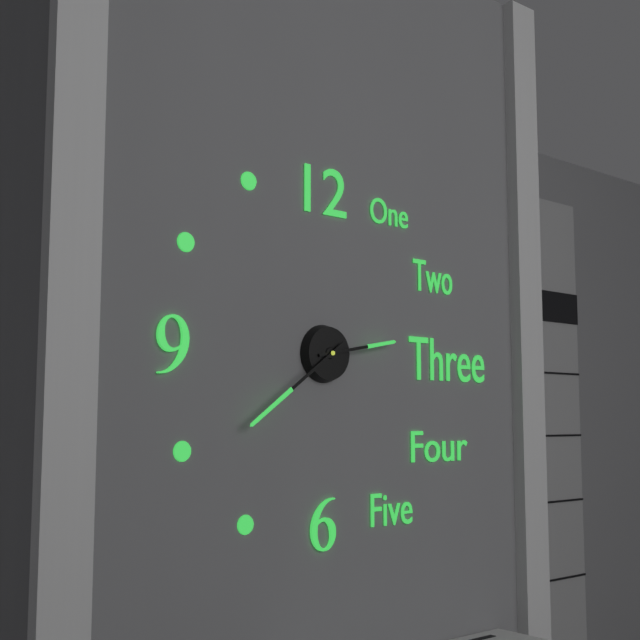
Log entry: 2:39
